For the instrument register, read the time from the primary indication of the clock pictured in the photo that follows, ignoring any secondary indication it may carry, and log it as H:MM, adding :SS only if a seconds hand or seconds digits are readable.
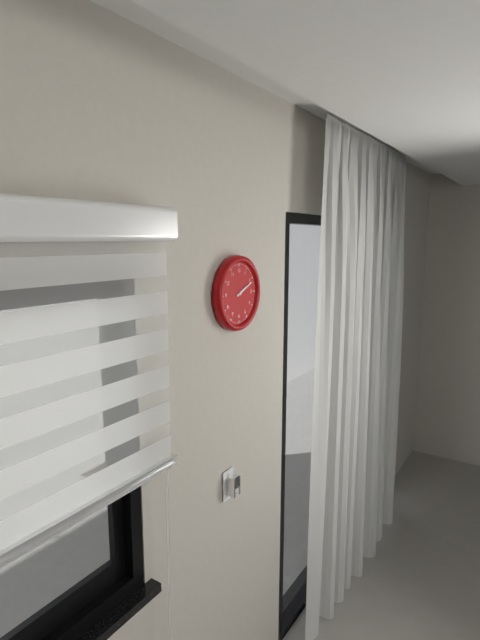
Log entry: 2:11
